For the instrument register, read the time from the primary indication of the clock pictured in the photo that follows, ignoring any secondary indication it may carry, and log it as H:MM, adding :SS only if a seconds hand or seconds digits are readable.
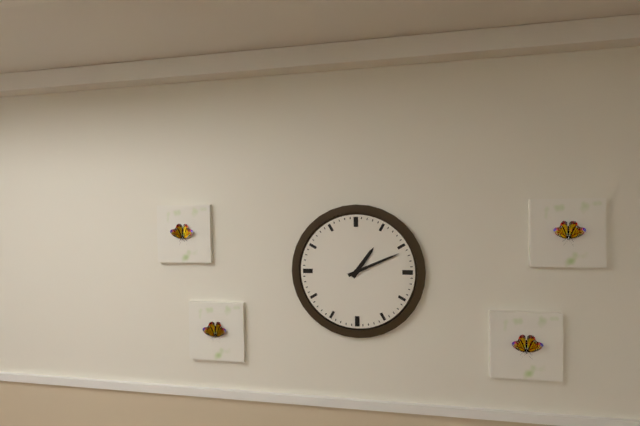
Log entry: 1:11
